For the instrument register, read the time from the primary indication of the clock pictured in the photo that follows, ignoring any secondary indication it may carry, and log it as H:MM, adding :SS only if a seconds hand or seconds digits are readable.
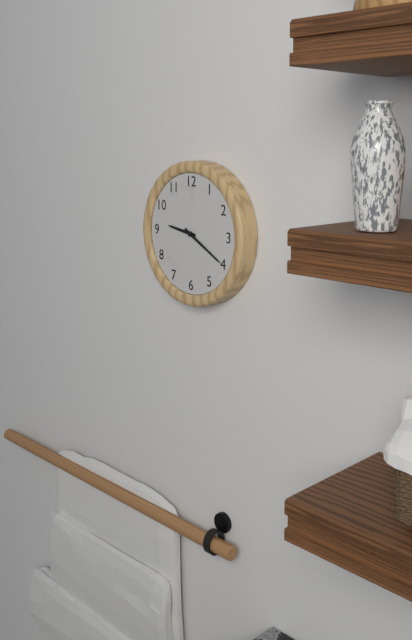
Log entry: 9:20
